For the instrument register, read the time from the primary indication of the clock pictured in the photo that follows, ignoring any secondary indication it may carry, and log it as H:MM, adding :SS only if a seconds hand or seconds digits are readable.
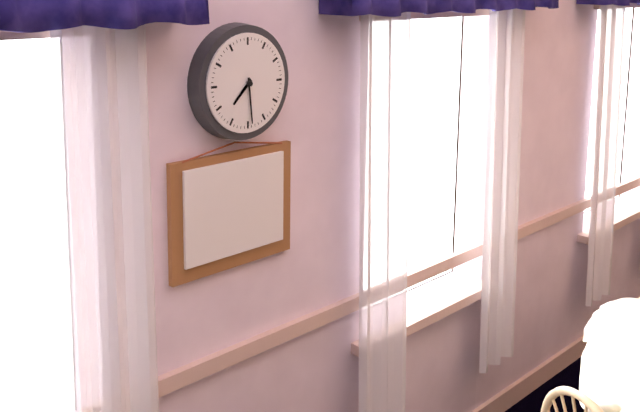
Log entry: 7:29
